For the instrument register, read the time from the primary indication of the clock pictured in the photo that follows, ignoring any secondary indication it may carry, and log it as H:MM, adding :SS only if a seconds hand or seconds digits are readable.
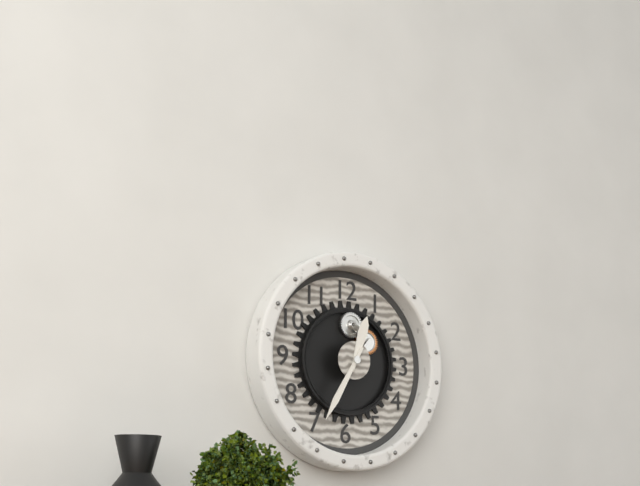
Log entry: 12:35
